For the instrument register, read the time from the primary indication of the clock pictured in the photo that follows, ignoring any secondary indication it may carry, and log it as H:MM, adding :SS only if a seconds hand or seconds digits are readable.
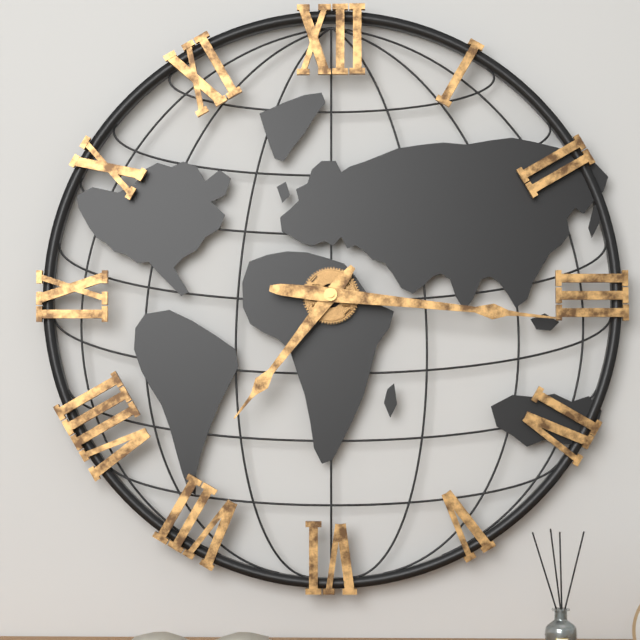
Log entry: 7:16
